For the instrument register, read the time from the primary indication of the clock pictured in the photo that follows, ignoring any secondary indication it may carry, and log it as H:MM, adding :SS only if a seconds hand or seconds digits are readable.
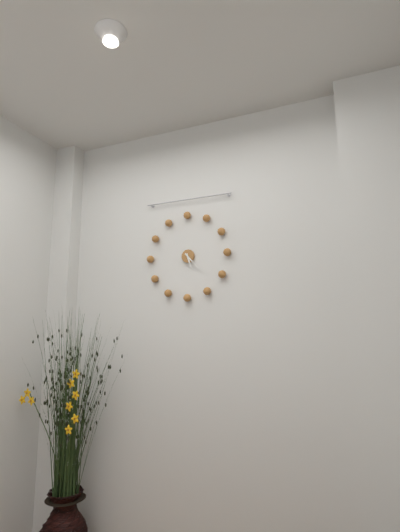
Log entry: 5:23
